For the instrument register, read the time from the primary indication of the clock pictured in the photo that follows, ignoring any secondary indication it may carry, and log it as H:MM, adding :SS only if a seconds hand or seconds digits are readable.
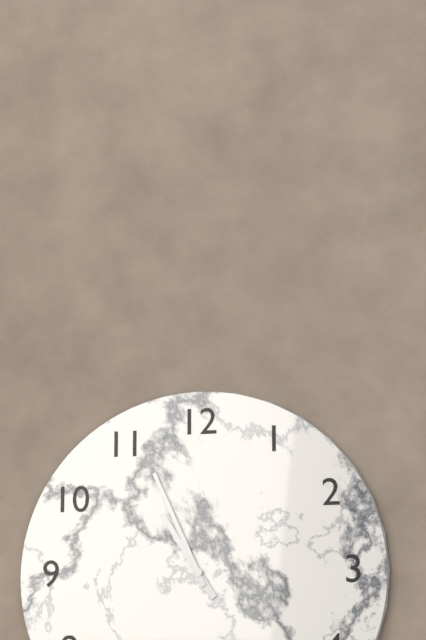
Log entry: 10:56
